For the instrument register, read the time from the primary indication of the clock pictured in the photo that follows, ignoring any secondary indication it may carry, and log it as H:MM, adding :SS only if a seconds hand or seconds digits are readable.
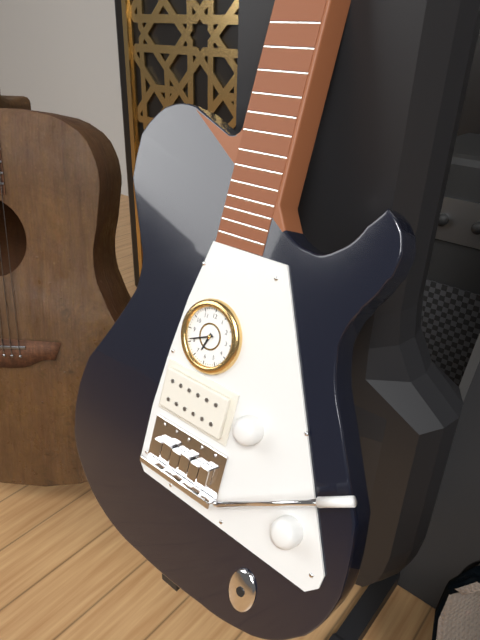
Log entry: 6:41
